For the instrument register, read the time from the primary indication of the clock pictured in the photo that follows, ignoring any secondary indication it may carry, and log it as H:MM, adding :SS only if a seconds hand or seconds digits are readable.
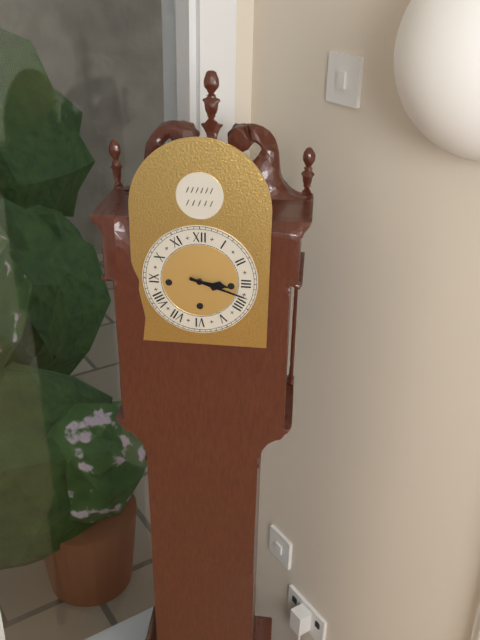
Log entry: 3:18
